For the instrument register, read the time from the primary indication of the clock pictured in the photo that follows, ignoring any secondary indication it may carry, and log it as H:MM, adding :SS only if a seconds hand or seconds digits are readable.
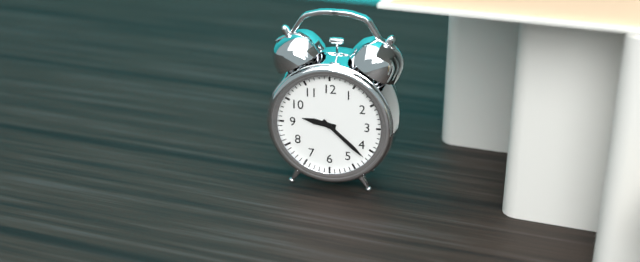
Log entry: 9:22
